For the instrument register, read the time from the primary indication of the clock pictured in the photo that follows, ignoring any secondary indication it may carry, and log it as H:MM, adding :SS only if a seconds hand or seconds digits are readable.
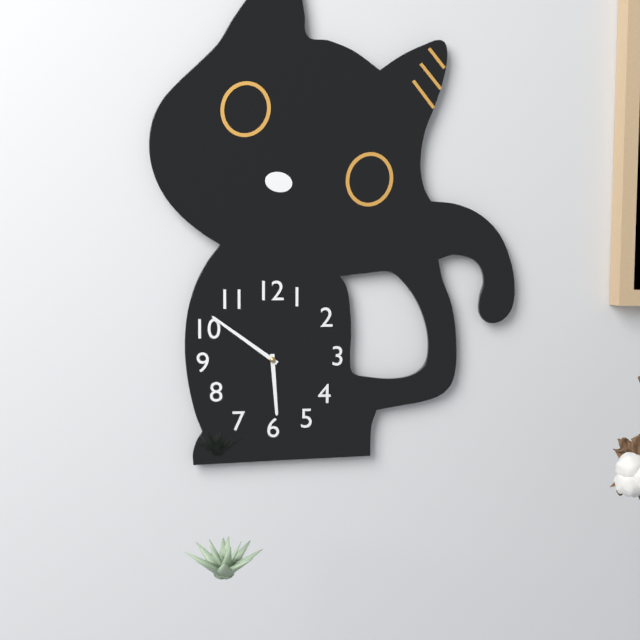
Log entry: 5:51
